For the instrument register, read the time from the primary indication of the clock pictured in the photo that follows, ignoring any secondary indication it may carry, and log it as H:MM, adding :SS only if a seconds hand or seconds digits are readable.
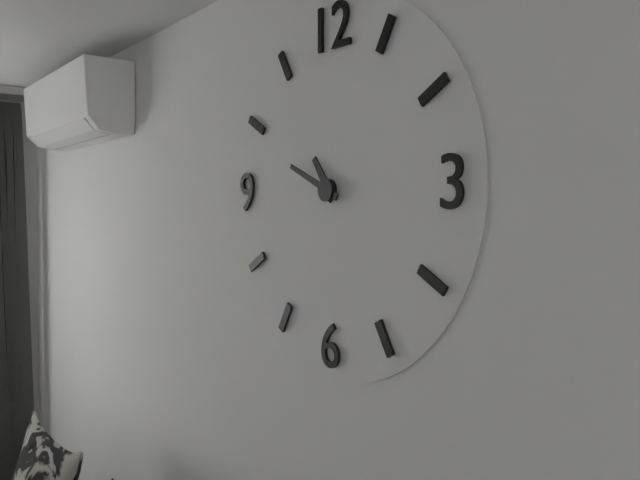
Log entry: 10:49
